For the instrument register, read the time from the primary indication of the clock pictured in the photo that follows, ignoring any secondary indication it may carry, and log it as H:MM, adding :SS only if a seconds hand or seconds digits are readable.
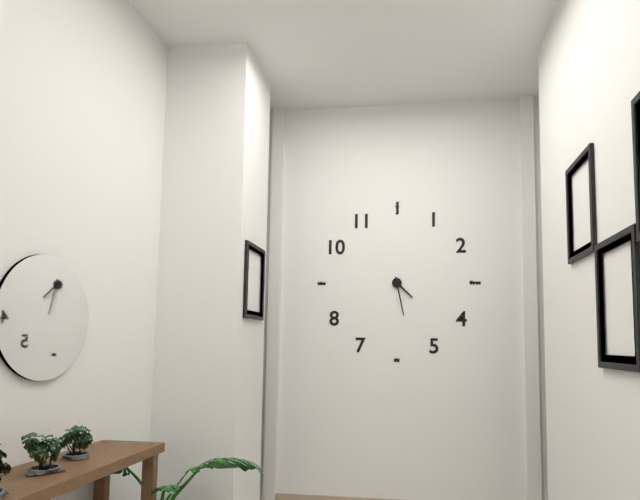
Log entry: 4:28
